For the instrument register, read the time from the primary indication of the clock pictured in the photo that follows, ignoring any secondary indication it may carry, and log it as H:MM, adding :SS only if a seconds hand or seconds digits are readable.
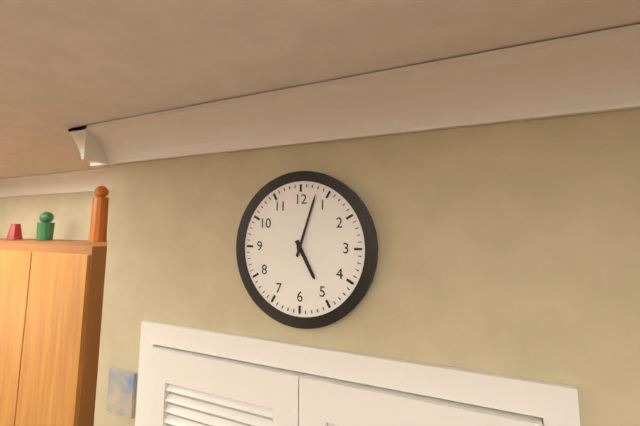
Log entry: 5:03
